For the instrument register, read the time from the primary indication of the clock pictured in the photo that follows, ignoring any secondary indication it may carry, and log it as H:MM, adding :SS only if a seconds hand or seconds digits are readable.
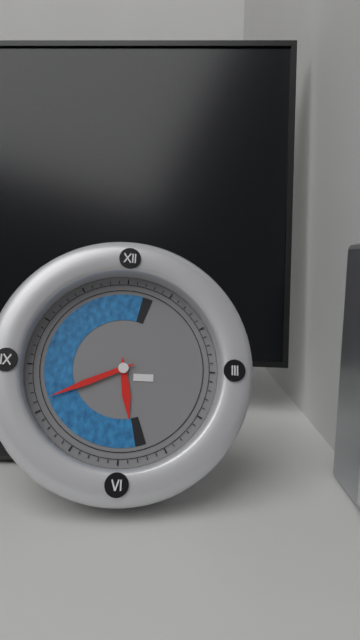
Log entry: 5:41
